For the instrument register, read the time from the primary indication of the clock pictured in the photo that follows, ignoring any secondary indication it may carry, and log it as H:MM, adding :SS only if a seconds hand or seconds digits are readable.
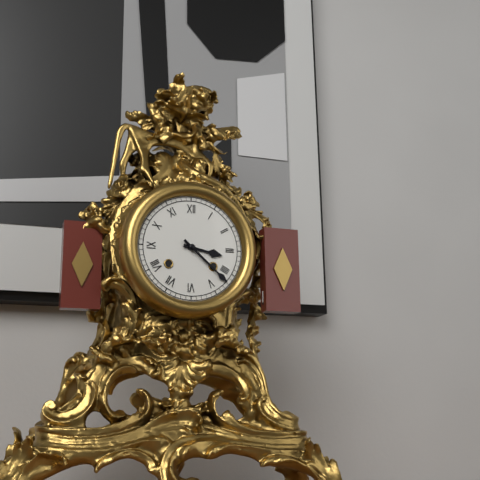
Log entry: 3:22
